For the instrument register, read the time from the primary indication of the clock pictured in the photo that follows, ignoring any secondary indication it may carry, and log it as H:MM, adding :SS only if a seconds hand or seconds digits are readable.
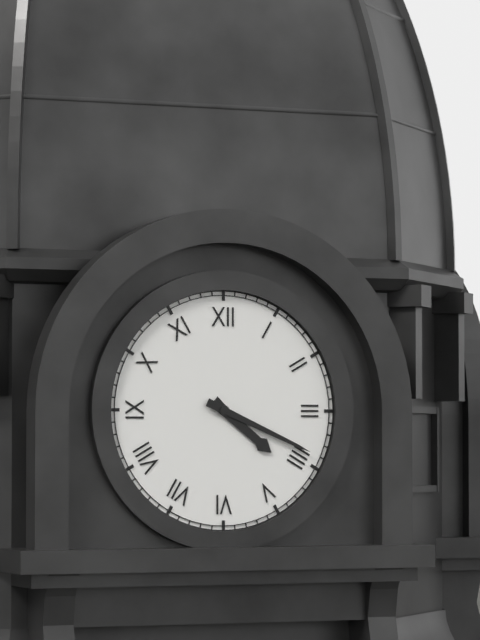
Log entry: 4:19
